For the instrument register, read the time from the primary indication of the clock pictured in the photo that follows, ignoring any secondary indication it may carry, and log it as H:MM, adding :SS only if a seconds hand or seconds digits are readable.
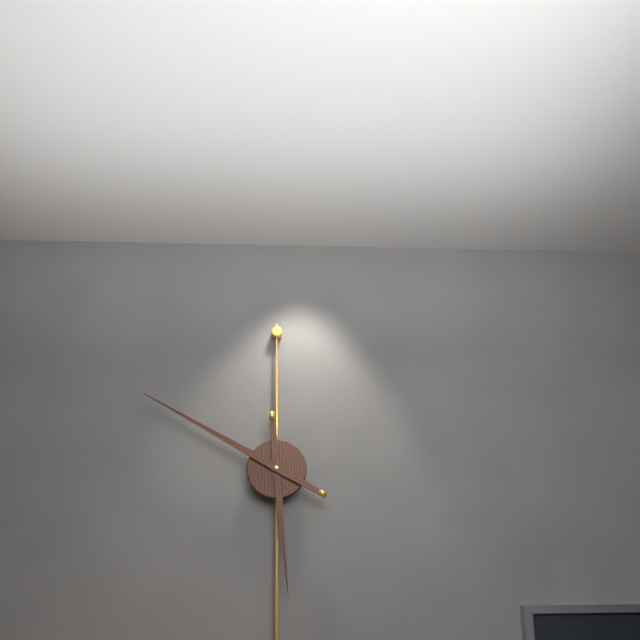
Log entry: 5:50
